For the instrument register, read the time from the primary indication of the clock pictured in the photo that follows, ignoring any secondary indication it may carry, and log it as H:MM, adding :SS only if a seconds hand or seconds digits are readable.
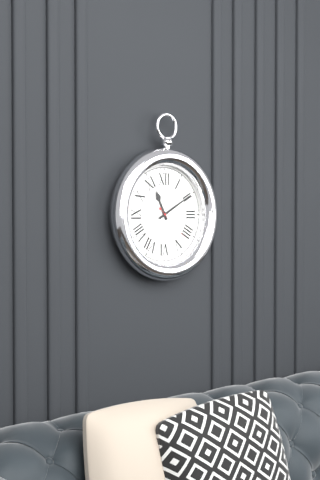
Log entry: 11:10
